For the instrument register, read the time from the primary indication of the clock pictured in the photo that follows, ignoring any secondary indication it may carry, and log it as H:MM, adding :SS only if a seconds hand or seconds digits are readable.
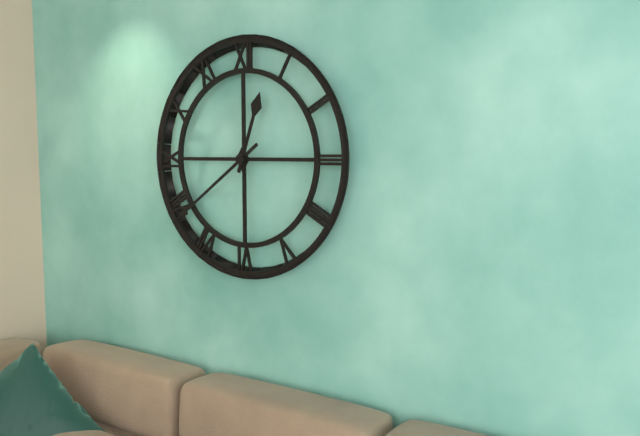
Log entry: 12:39
